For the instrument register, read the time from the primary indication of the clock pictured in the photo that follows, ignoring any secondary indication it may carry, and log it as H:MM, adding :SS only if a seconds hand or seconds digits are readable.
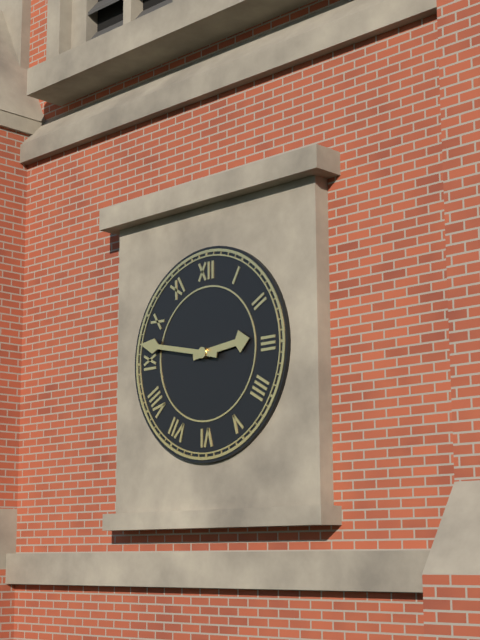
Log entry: 2:47
